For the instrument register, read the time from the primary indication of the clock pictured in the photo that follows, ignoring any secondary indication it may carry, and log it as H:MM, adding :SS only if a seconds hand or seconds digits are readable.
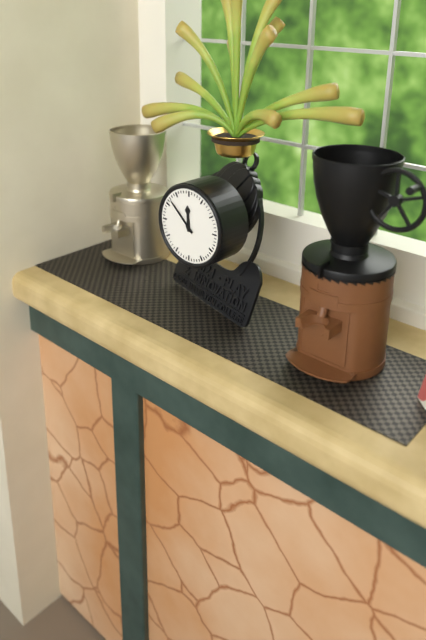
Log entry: 11:52
